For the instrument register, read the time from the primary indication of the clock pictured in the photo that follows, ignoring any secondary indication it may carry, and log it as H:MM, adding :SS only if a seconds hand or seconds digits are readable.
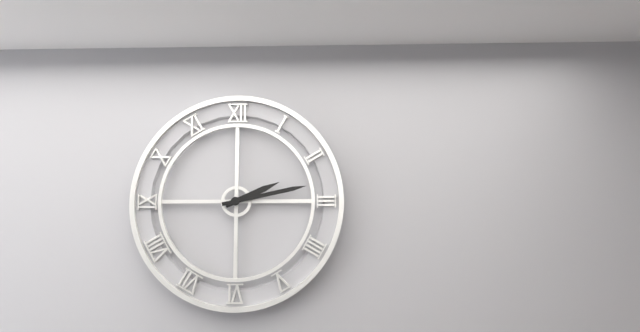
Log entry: 2:13
